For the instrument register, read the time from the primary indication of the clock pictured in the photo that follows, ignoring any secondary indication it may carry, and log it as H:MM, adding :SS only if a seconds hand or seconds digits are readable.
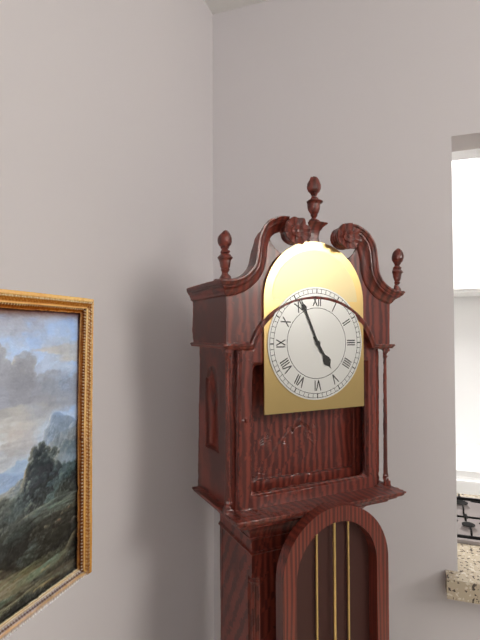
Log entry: 4:56
